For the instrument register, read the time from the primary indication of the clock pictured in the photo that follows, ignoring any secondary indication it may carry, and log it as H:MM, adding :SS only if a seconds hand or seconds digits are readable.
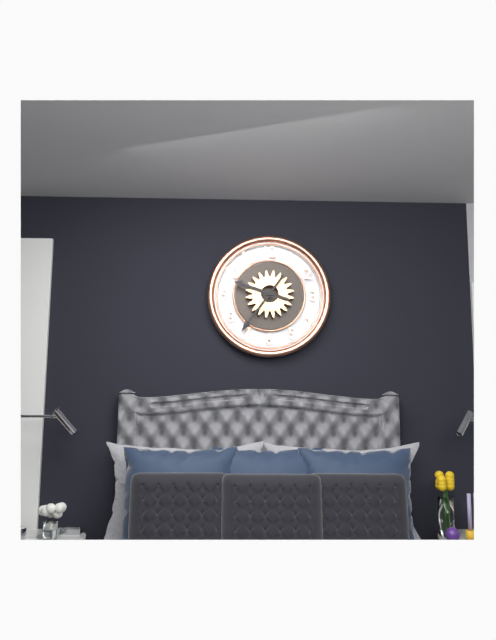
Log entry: 9:36
